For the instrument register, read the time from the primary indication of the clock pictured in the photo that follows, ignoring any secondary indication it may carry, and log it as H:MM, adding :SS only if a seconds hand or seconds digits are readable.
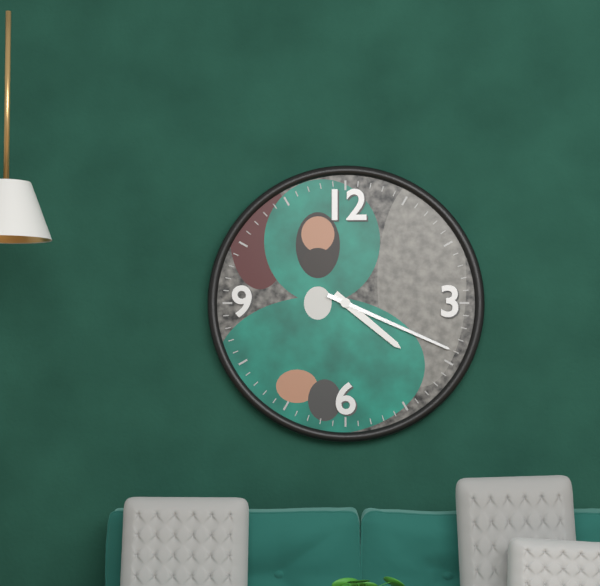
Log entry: 4:19
